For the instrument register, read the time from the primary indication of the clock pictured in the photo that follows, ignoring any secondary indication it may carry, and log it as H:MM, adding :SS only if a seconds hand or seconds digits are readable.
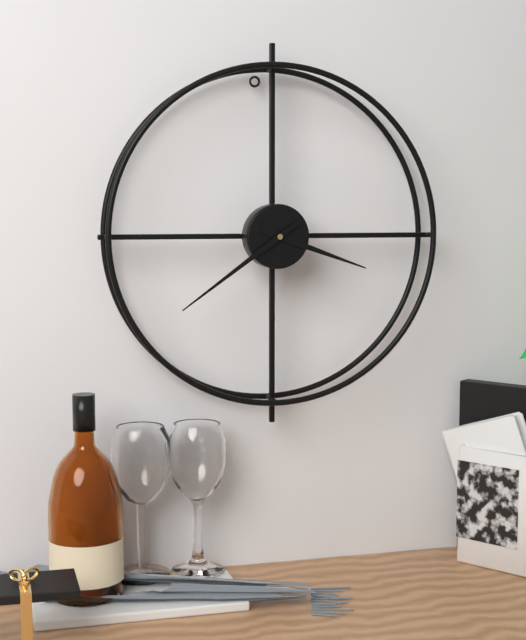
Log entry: 3:39
